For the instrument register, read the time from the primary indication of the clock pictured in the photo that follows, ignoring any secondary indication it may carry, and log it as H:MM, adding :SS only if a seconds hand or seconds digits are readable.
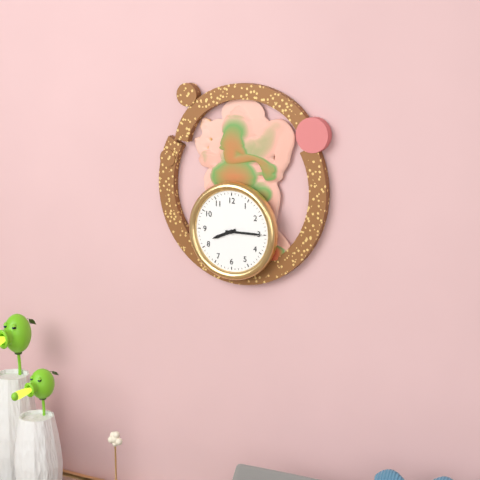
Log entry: 8:15
